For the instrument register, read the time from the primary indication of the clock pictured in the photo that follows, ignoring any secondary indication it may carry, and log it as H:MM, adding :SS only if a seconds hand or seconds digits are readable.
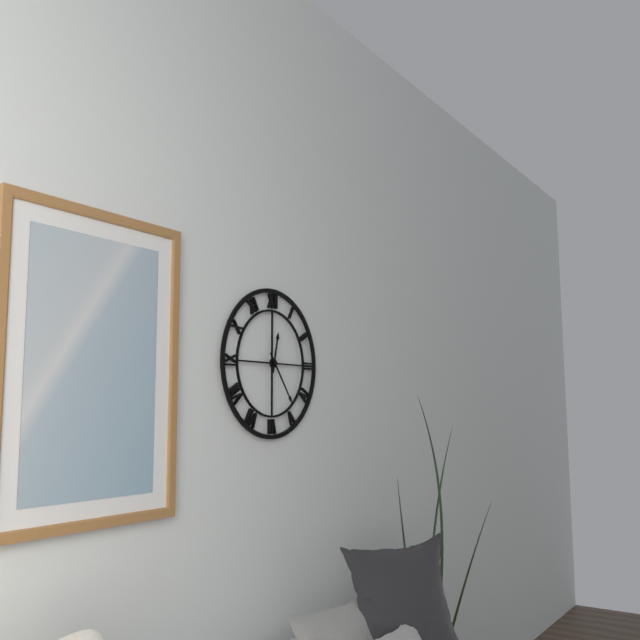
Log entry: 12:24
